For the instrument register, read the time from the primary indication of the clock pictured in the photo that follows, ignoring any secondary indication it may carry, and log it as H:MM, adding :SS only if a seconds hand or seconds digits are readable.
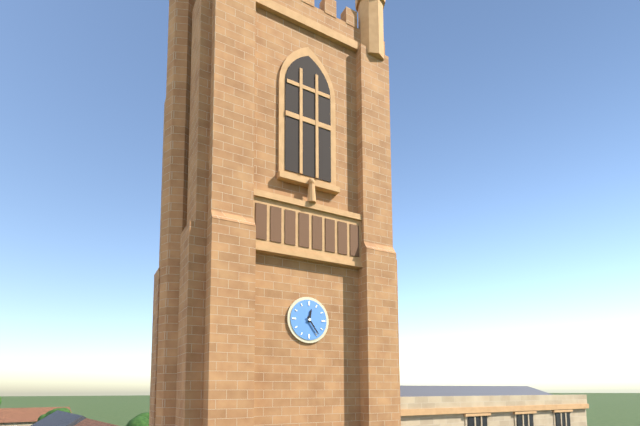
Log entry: 12:24
